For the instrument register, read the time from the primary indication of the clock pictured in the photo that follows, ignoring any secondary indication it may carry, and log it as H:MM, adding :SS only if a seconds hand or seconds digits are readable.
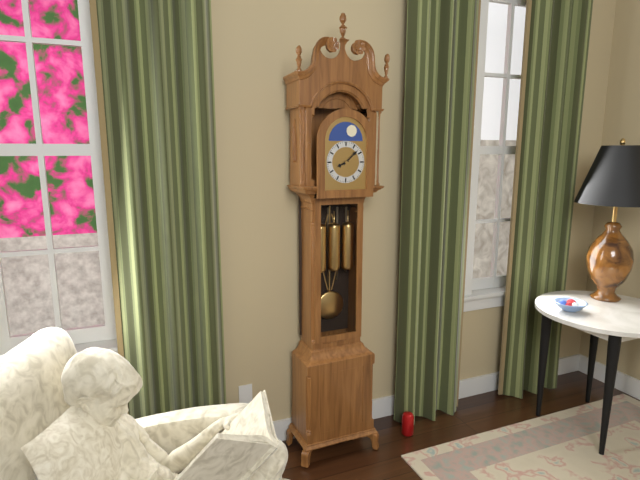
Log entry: 8:08
